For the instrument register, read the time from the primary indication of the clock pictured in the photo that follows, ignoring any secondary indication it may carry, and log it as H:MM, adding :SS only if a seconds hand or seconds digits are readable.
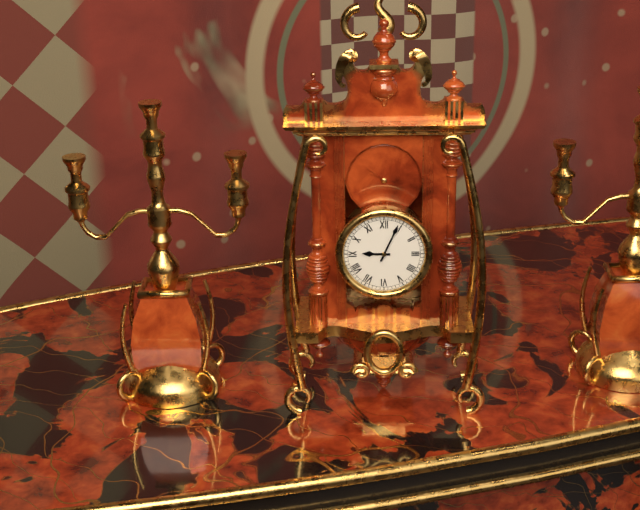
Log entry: 9:04
